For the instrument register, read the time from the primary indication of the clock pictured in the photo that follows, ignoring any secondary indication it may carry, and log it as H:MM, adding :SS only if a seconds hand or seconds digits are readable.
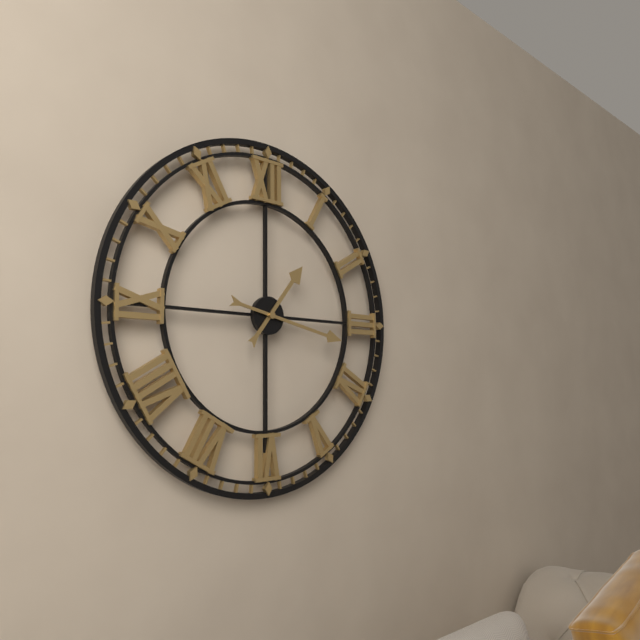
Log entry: 1:17
